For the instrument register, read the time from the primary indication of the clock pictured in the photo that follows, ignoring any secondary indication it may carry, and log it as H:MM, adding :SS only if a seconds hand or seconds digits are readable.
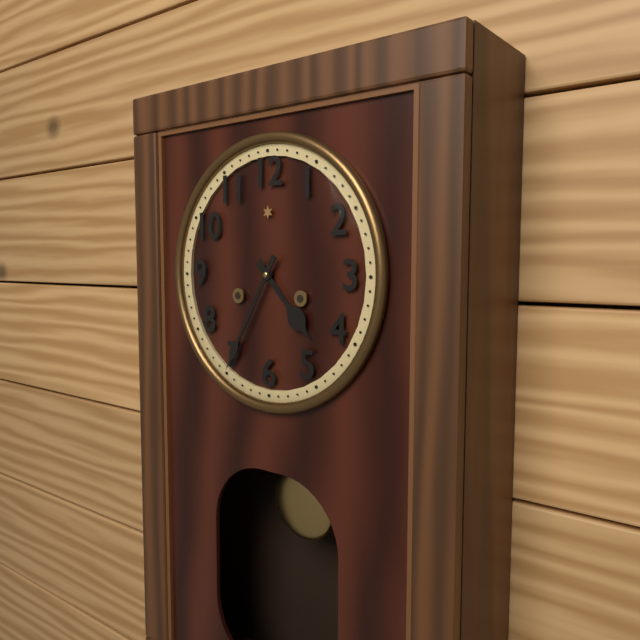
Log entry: 4:35
